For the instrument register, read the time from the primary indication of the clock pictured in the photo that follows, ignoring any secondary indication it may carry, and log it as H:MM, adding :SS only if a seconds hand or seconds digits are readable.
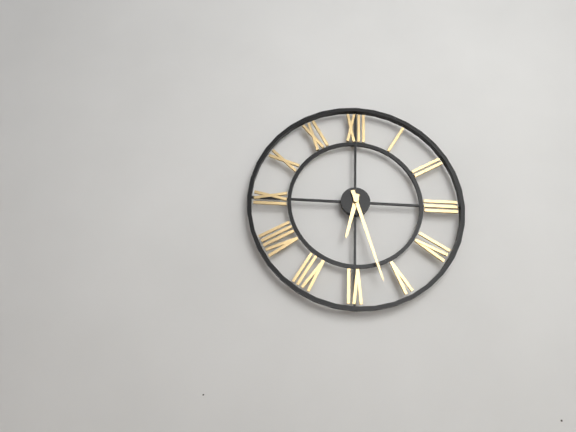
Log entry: 6:27
